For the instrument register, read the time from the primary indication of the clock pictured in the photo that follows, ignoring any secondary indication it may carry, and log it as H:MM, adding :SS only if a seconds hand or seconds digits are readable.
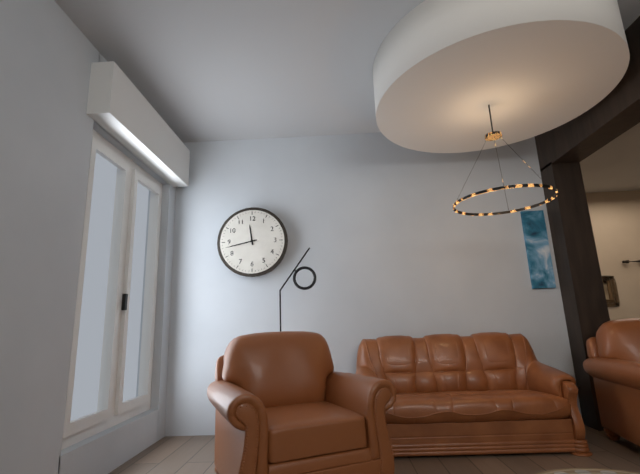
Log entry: 11:43
